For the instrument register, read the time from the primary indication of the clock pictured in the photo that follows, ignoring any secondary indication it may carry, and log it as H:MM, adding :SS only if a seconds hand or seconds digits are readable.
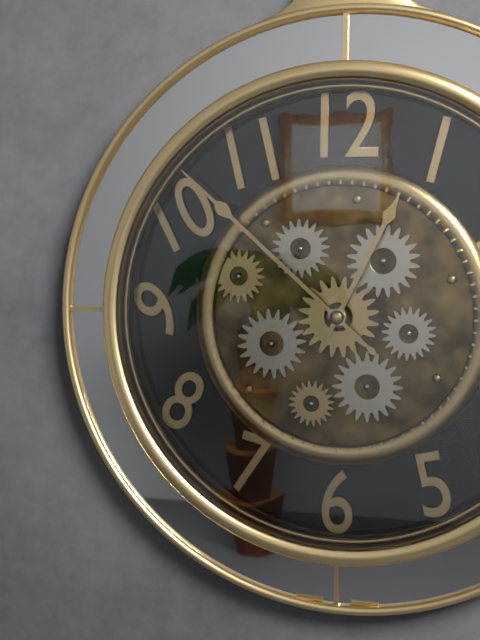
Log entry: 12:52
